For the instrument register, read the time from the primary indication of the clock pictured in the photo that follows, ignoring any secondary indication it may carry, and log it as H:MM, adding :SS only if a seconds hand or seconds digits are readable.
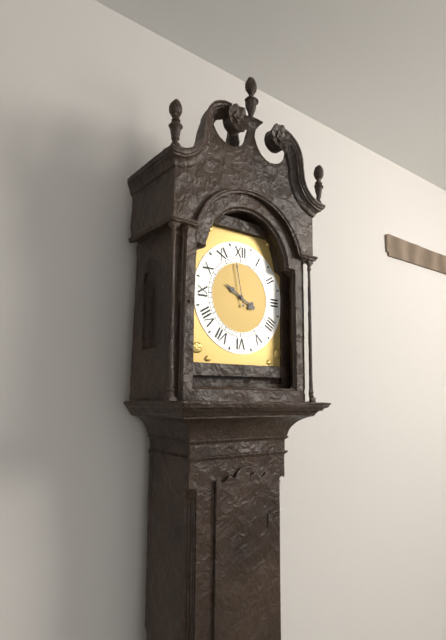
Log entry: 9:58
